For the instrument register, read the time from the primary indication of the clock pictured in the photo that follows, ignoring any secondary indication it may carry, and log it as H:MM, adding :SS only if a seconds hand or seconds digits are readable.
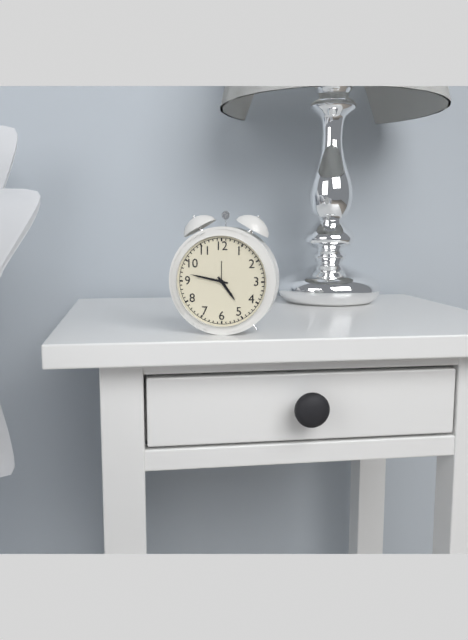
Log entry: 4:47
